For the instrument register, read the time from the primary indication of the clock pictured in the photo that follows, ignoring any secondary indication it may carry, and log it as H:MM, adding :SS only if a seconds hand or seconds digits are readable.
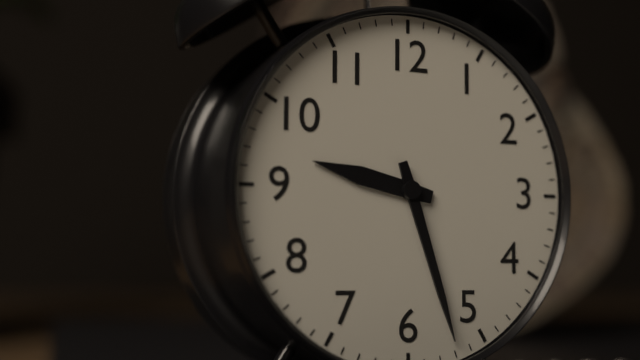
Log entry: 9:27
